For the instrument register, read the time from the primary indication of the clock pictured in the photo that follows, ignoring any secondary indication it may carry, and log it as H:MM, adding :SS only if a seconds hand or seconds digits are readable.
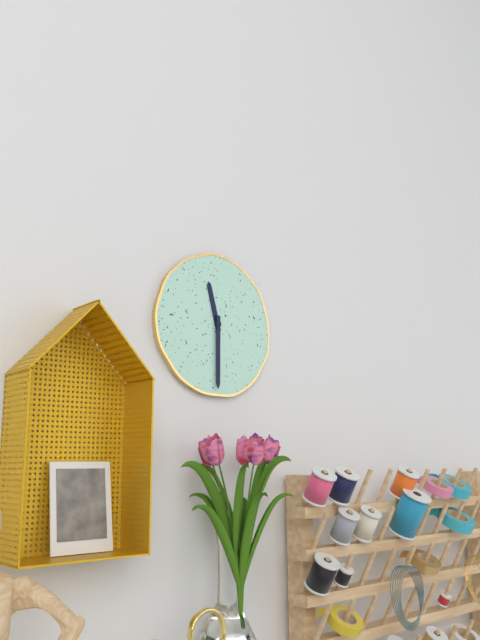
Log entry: 11:30
